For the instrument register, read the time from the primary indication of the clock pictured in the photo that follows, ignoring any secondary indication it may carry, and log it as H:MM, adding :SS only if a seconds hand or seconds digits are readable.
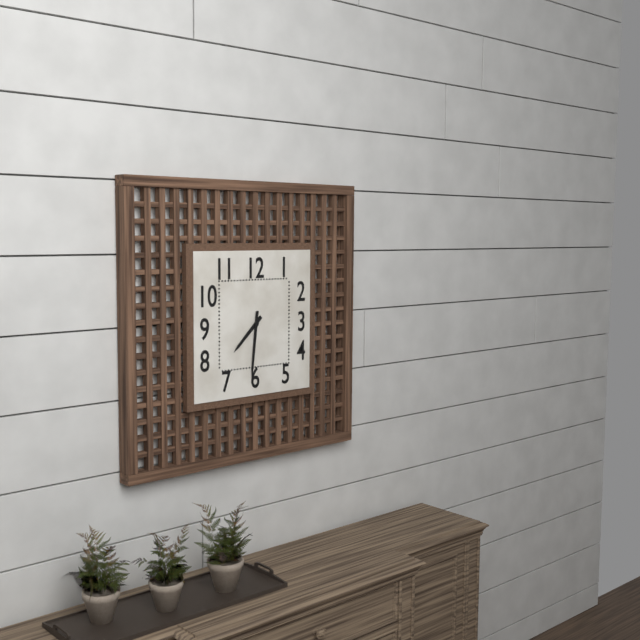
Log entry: 7:31
